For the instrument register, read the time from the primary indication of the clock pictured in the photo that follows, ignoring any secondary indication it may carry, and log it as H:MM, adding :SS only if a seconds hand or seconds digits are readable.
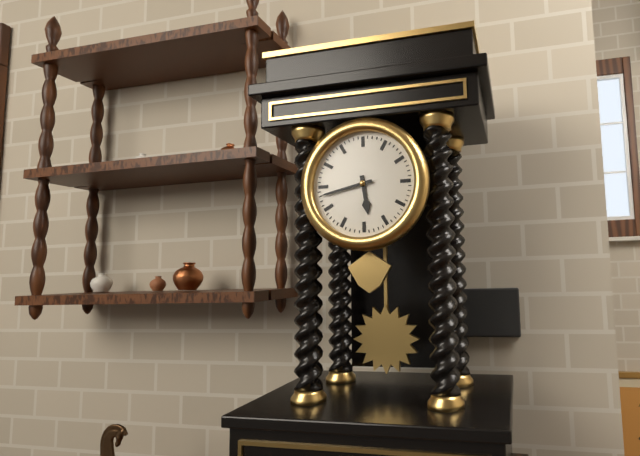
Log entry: 5:43
